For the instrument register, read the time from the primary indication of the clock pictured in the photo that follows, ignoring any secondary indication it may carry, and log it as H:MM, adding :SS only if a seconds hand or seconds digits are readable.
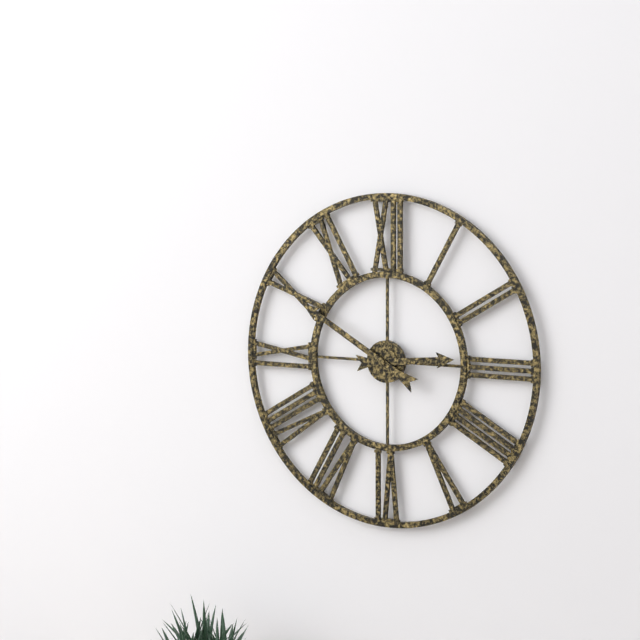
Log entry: 2:50
